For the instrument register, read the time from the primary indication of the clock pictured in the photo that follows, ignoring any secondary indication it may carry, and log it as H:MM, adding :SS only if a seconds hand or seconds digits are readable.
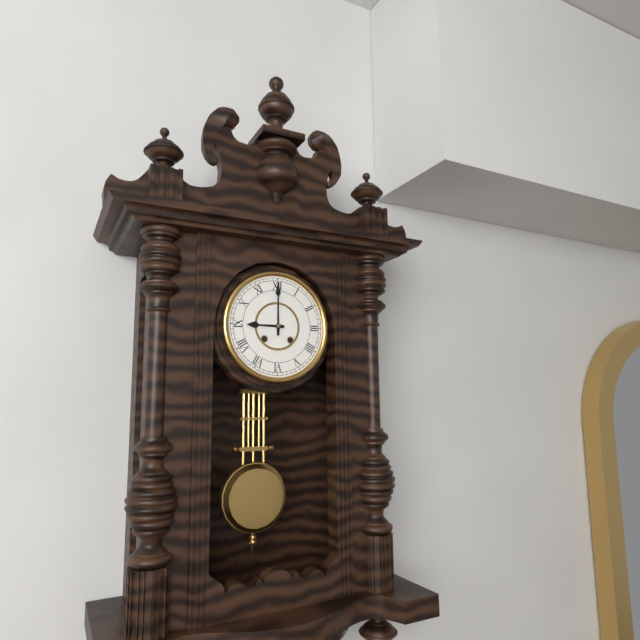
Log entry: 9:00
